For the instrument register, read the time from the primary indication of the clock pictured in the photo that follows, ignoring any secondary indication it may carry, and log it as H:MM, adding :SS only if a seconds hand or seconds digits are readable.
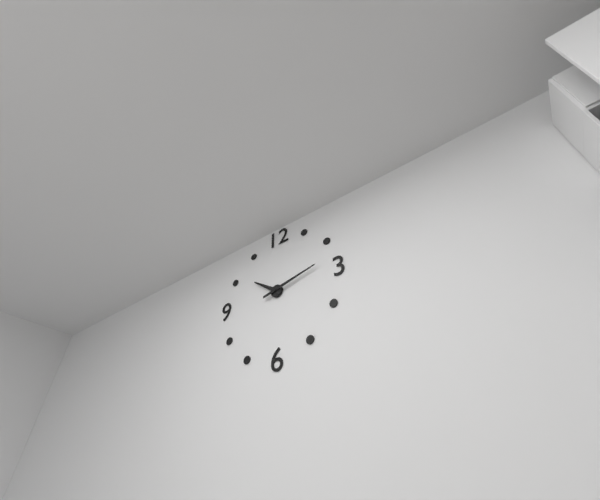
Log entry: 10:13
